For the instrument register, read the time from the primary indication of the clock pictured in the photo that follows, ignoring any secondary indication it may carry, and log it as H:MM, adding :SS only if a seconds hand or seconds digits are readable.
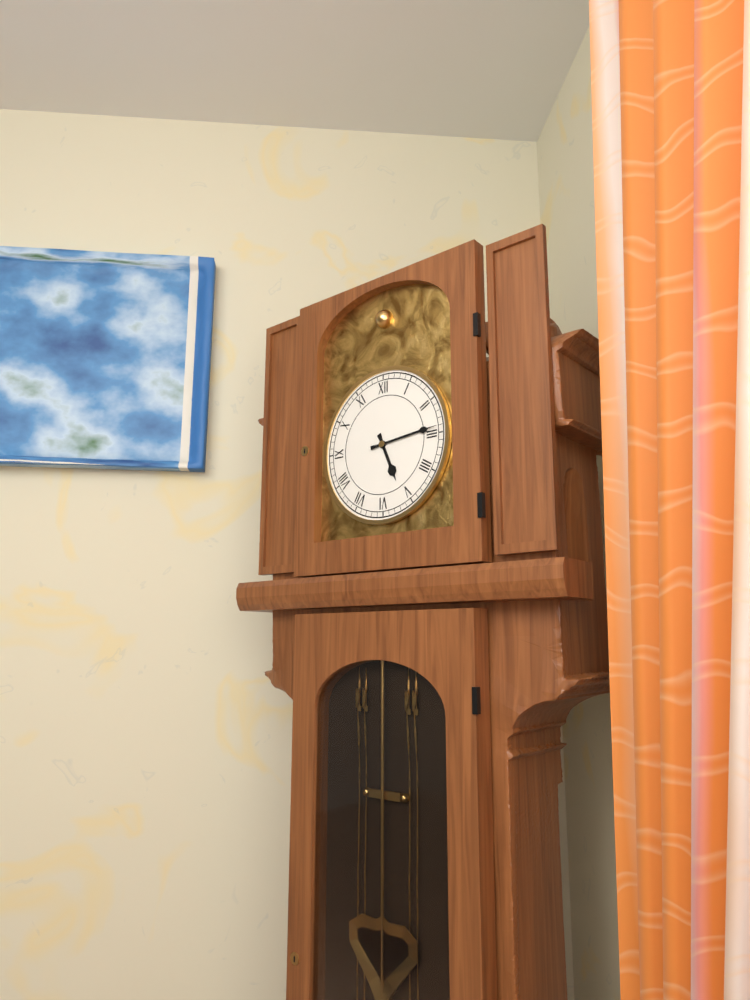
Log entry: 5:14
